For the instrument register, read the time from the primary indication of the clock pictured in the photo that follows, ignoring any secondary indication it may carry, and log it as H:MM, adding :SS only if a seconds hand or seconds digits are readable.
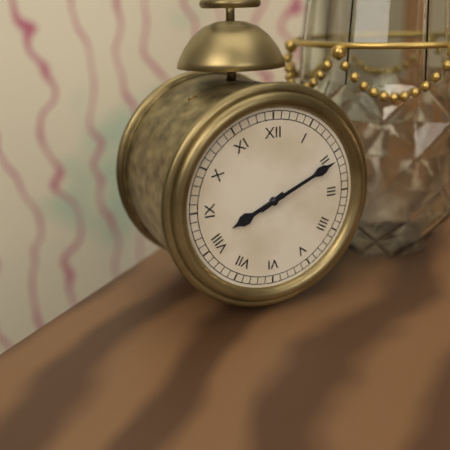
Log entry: 8:11
